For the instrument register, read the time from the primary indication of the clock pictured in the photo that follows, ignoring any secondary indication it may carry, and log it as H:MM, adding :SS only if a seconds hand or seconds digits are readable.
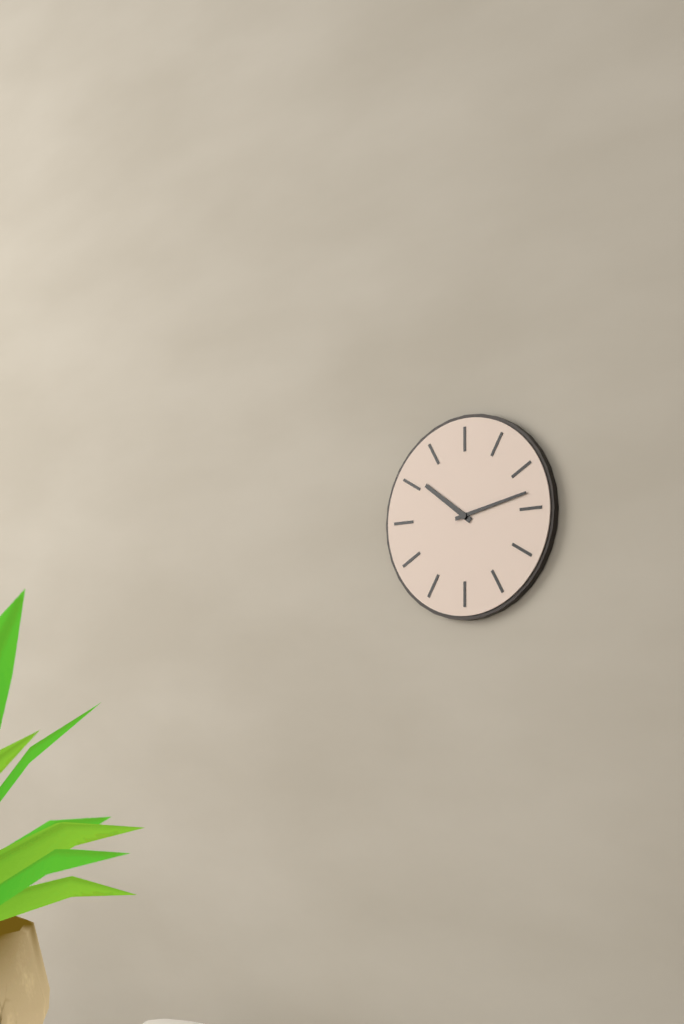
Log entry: 10:13
